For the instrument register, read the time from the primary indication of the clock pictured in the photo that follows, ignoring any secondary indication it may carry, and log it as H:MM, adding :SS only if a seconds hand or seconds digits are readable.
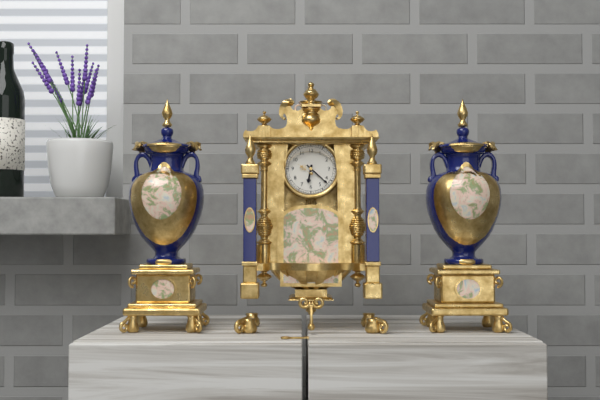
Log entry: 6:22
